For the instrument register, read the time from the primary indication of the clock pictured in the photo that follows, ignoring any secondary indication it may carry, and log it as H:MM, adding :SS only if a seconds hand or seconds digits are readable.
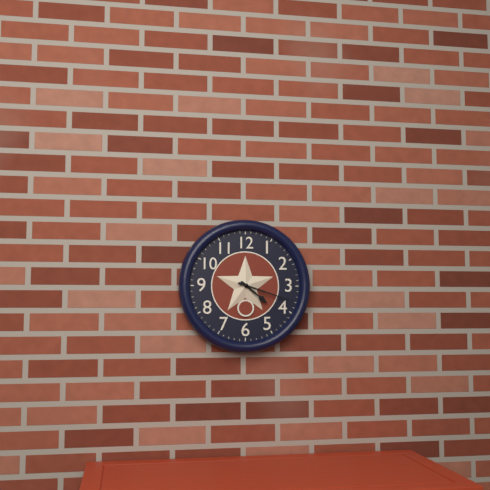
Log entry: 4:18
